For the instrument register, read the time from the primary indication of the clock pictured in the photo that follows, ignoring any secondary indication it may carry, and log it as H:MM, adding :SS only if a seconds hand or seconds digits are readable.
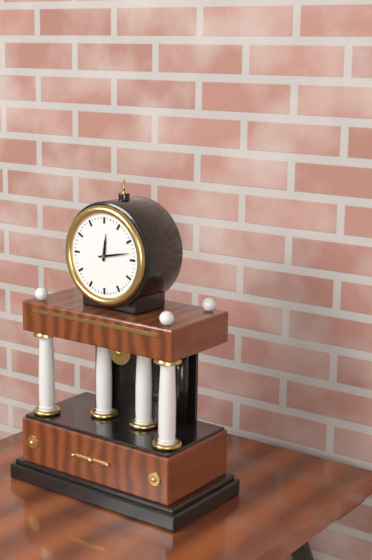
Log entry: 12:13
